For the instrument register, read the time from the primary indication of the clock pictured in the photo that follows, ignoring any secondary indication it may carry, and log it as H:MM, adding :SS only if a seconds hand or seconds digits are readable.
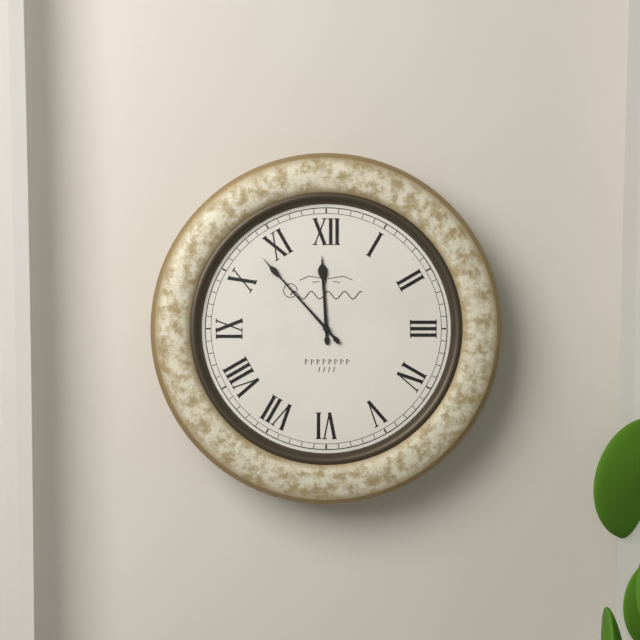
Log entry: 11:53
